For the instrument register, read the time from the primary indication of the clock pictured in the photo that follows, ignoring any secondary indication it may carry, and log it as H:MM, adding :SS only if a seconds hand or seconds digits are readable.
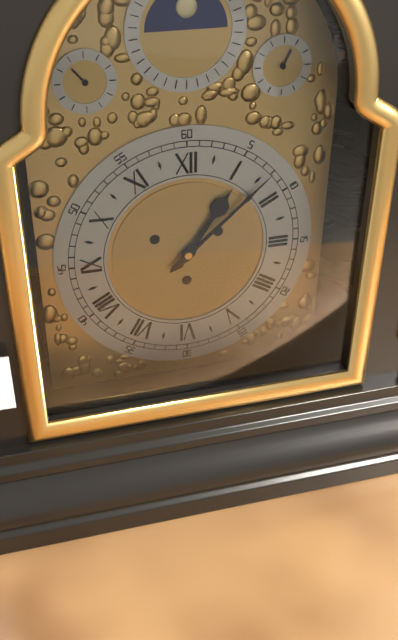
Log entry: 1:08
